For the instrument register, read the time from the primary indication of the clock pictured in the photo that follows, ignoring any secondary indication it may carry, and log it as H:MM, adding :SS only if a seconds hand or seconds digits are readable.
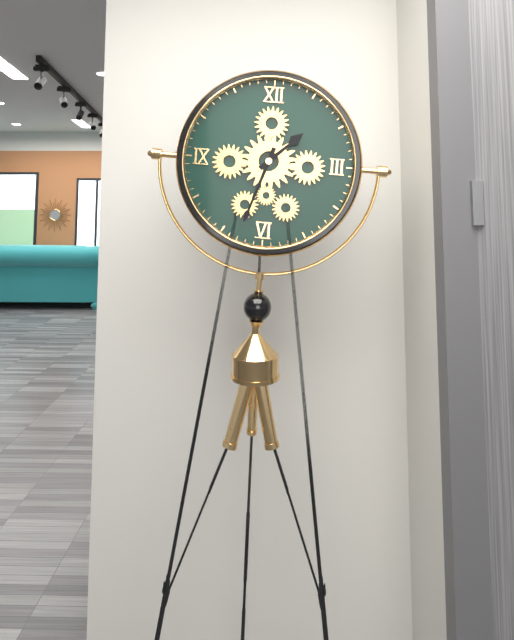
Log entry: 1:33
